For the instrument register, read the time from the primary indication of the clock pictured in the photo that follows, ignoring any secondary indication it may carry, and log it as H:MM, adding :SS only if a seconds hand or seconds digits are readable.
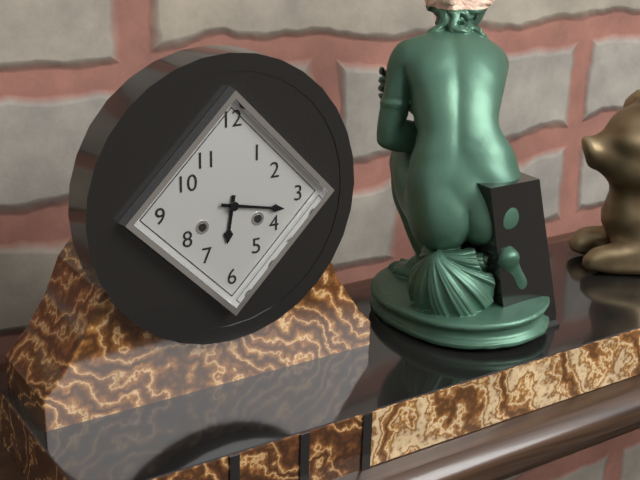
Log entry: 6:17
